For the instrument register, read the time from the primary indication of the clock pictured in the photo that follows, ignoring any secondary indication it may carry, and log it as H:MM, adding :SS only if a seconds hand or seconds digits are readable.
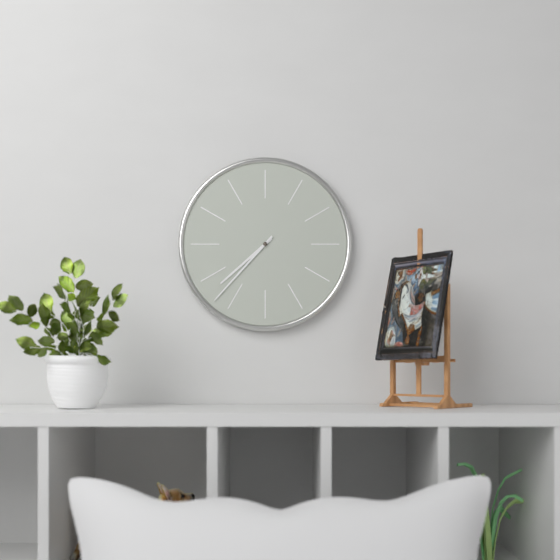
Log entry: 7:37
